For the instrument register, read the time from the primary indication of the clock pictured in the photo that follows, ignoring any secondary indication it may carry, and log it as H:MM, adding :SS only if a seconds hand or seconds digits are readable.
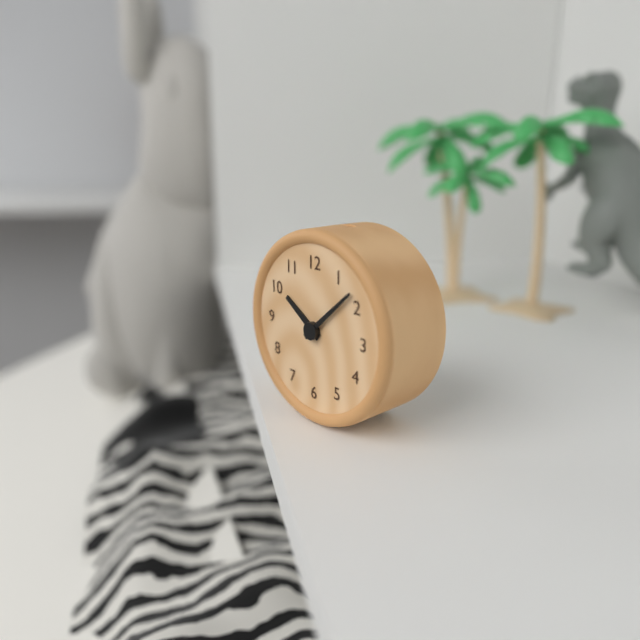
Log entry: 10:08
